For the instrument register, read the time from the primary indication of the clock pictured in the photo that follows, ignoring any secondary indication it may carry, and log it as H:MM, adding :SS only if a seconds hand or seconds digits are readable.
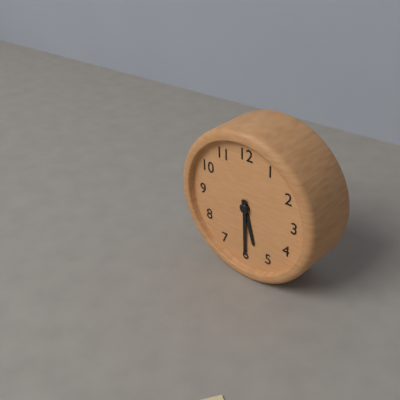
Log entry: 5:30
